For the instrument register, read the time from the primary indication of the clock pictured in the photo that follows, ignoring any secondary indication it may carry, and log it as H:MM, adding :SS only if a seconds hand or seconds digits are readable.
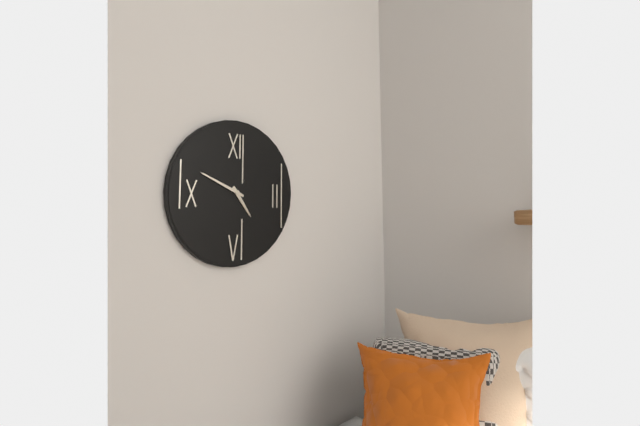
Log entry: 4:49
